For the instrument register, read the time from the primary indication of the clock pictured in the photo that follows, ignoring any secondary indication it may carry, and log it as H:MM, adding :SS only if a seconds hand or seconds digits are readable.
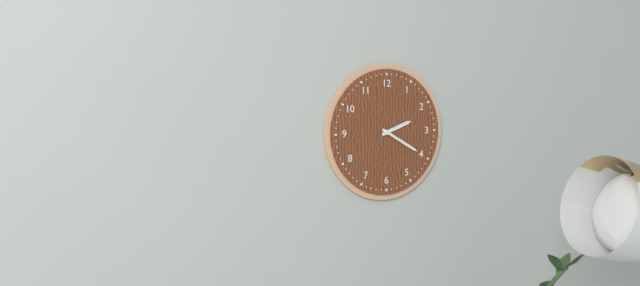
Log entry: 2:20
